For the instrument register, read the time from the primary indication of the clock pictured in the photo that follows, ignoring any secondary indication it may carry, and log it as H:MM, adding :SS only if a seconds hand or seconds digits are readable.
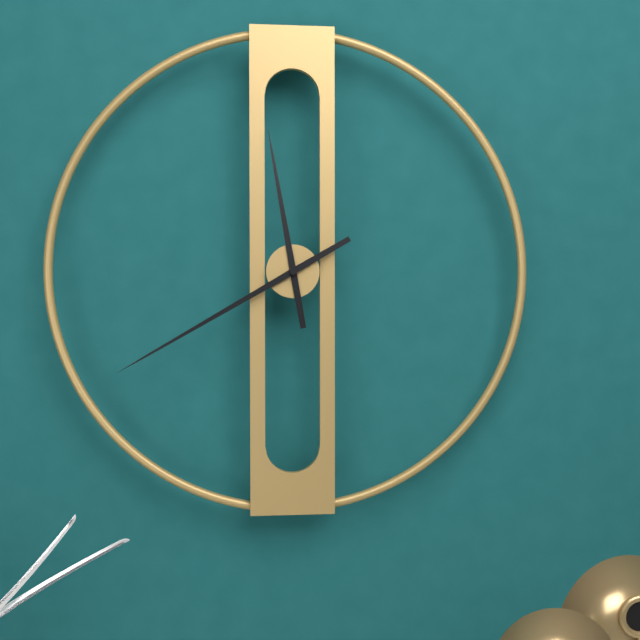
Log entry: 11:40
